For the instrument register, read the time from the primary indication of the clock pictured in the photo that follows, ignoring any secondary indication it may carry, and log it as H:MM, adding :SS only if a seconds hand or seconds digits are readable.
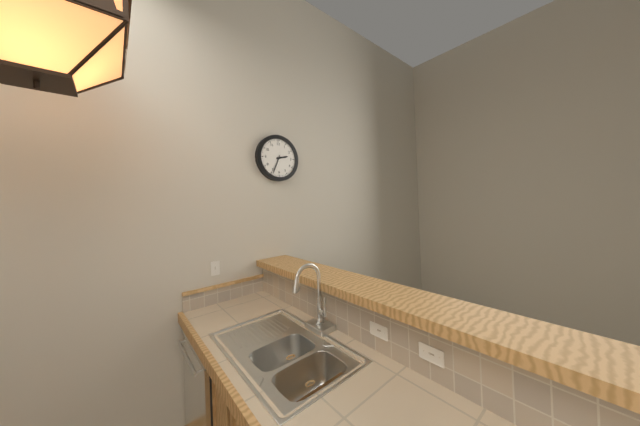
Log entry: 2:34
